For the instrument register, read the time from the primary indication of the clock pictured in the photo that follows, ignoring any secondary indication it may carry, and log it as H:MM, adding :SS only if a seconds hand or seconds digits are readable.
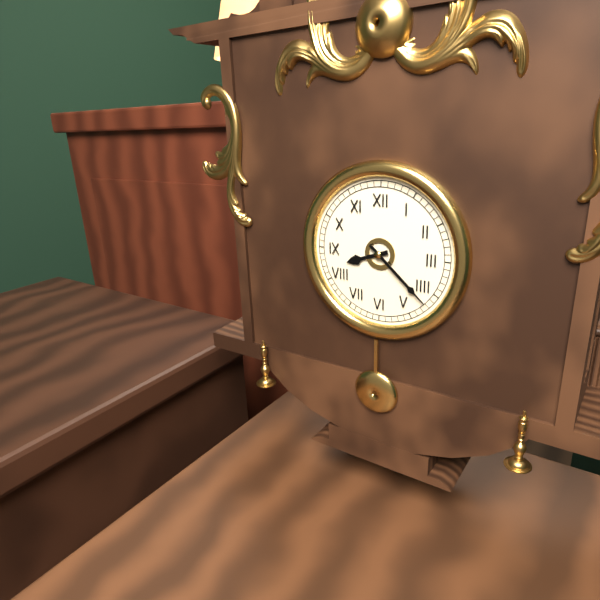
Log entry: 8:22
